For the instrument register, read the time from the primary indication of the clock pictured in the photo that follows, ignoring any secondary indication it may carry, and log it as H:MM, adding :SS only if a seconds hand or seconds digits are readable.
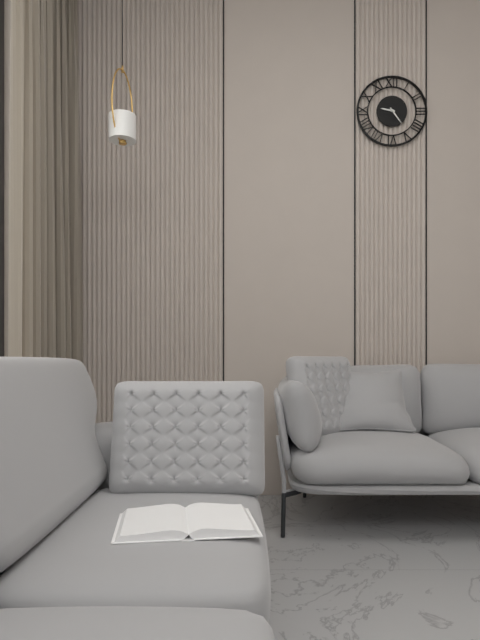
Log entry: 9:24
